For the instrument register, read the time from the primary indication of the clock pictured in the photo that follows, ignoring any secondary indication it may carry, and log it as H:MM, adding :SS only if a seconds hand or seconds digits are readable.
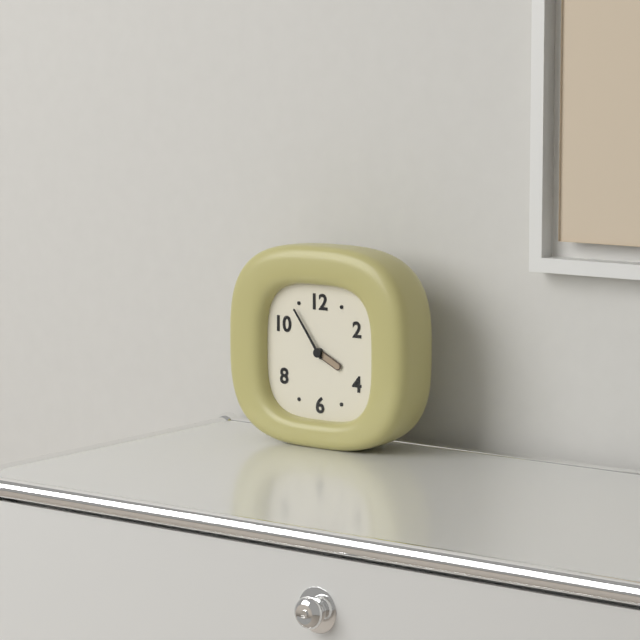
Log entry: 3:54
